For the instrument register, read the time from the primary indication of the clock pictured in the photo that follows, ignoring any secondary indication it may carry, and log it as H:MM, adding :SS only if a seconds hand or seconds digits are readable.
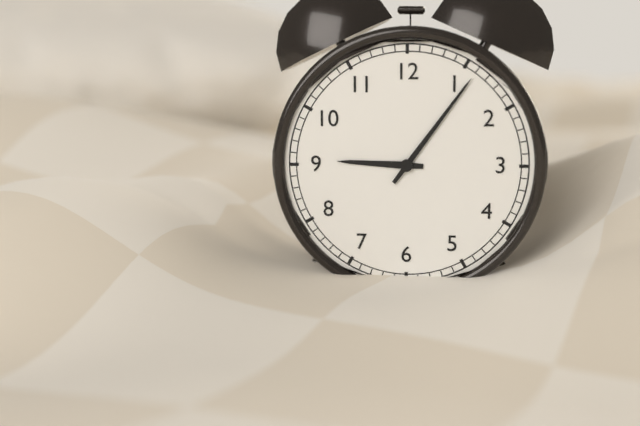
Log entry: 9:06
